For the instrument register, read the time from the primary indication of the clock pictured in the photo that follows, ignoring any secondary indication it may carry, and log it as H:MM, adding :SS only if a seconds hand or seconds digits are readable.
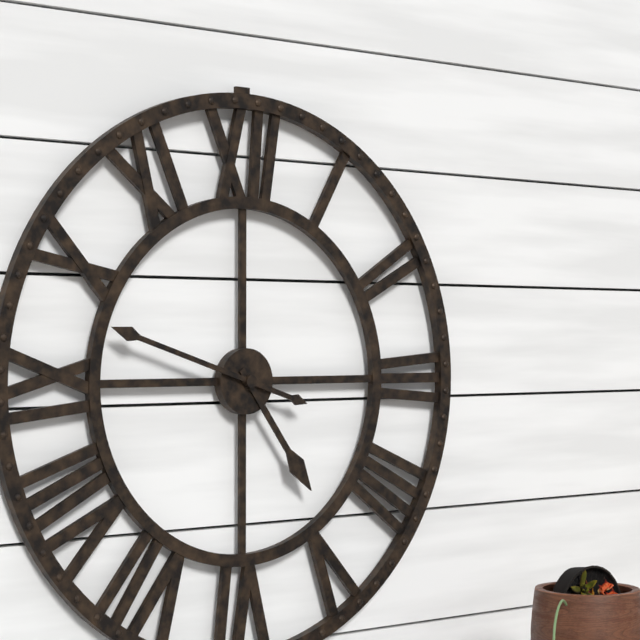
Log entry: 4:48
